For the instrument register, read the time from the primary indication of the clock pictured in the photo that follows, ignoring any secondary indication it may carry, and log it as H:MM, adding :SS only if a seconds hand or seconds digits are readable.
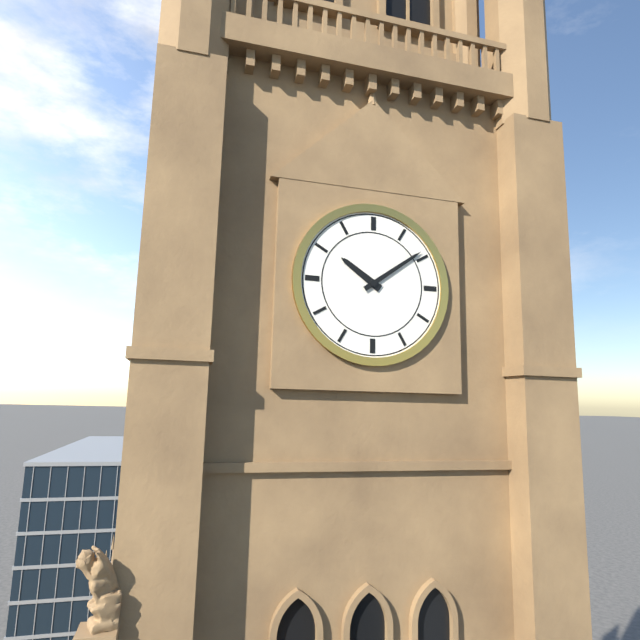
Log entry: 10:09
